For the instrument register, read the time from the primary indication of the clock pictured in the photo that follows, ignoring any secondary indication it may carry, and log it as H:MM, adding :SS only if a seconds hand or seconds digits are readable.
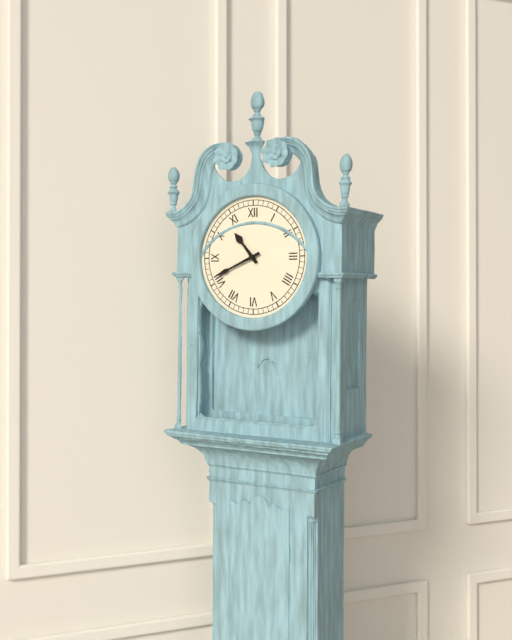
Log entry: 10:41
